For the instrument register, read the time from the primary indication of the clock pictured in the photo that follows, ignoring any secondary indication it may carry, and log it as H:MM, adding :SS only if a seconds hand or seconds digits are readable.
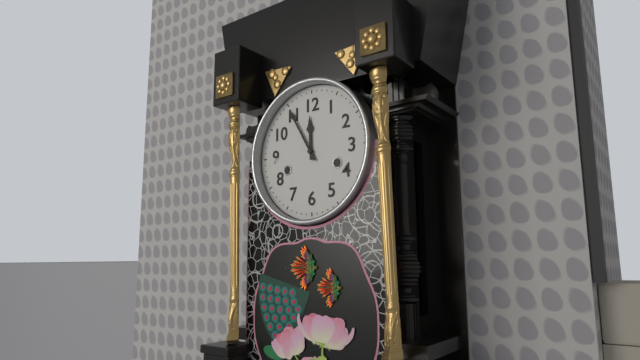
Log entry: 11:55
